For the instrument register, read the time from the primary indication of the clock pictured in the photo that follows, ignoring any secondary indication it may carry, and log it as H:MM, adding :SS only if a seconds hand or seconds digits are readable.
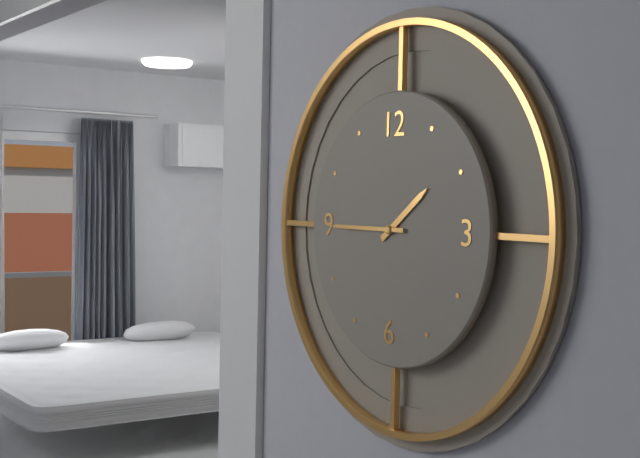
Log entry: 1:45
